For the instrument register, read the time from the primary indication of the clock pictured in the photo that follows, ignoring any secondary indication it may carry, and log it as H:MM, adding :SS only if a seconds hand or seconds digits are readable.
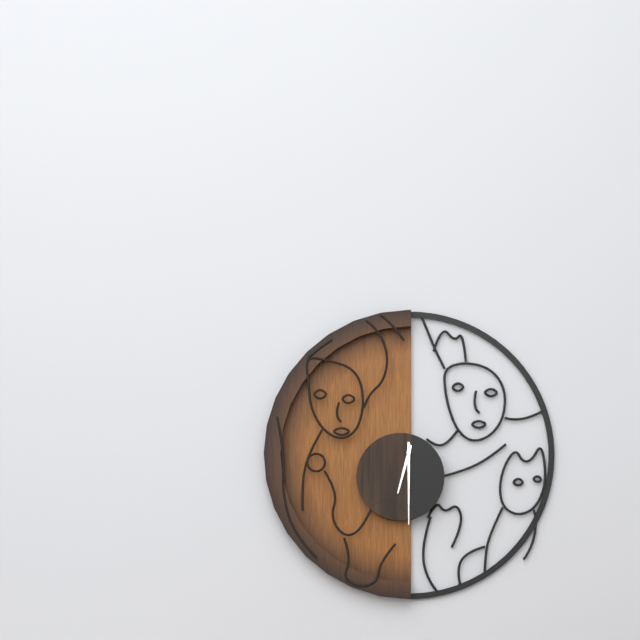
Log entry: 6:30
